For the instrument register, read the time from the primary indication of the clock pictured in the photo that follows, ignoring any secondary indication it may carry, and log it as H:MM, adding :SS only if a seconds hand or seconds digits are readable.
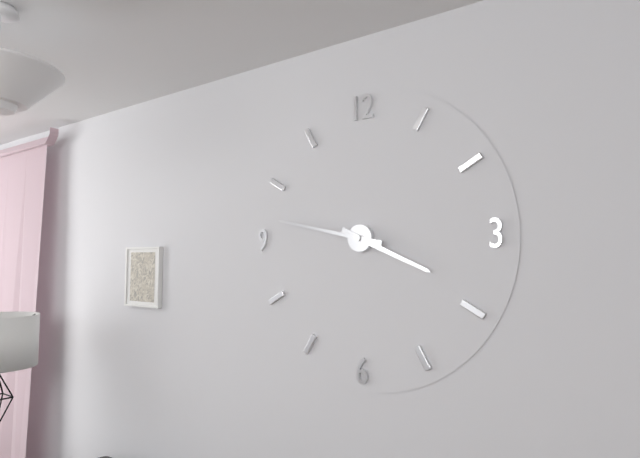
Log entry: 3:47
